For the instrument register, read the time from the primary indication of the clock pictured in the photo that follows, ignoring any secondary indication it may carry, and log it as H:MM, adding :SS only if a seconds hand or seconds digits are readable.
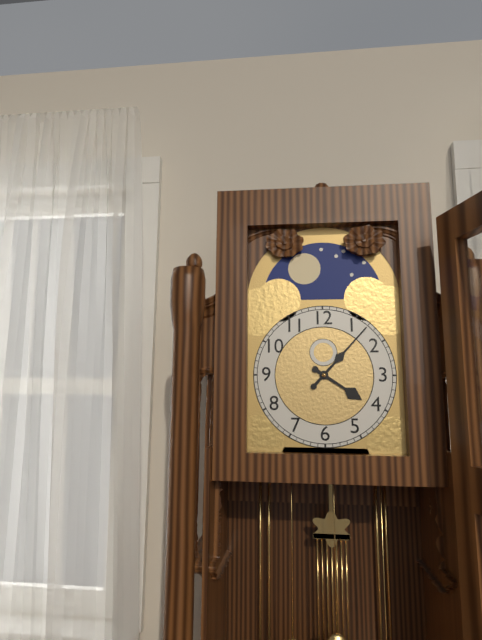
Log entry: 4:07
